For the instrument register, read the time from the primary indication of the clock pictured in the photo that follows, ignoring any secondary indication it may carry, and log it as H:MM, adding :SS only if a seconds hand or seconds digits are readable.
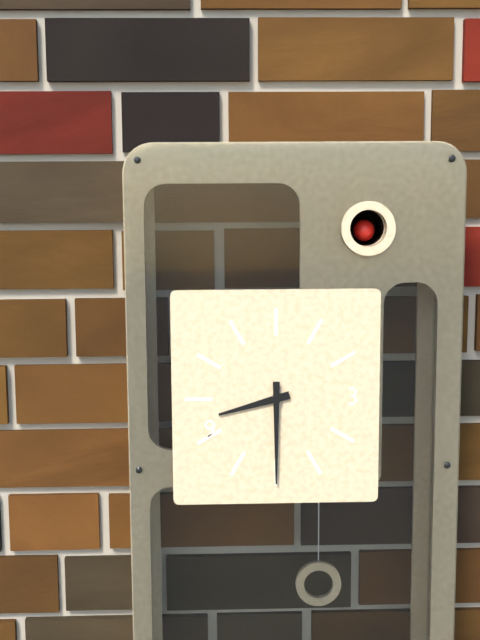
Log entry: 8:30
